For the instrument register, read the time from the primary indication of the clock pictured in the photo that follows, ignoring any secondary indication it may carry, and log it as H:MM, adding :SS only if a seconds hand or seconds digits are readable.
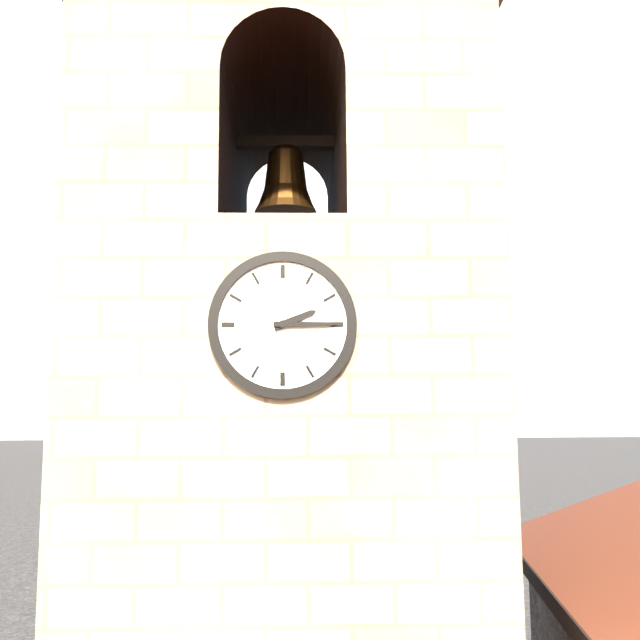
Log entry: 2:15
